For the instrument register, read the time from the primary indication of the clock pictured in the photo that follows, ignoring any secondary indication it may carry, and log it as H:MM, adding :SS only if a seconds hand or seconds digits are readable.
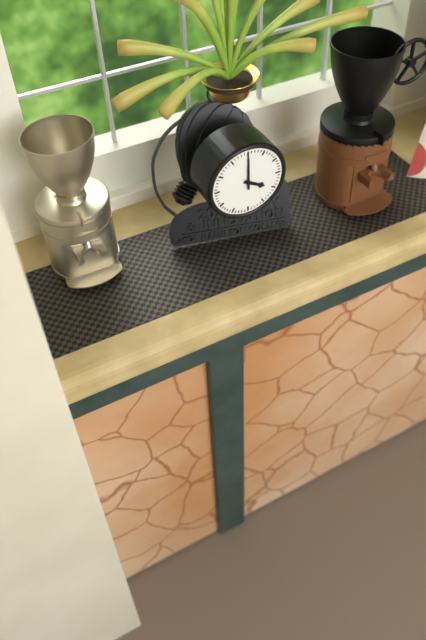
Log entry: 4:00
